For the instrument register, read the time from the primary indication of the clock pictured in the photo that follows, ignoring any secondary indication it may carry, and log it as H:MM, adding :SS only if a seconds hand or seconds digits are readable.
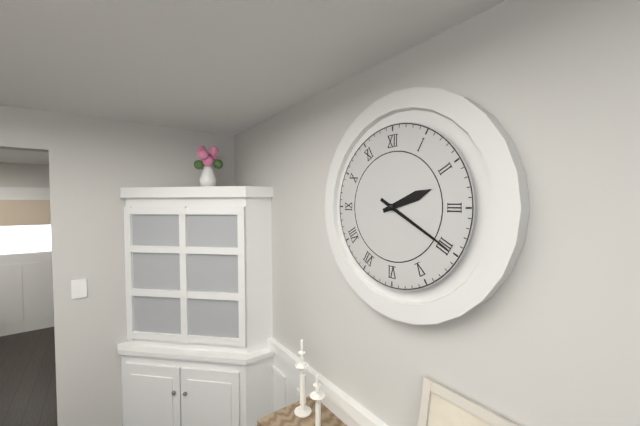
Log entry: 2:20
